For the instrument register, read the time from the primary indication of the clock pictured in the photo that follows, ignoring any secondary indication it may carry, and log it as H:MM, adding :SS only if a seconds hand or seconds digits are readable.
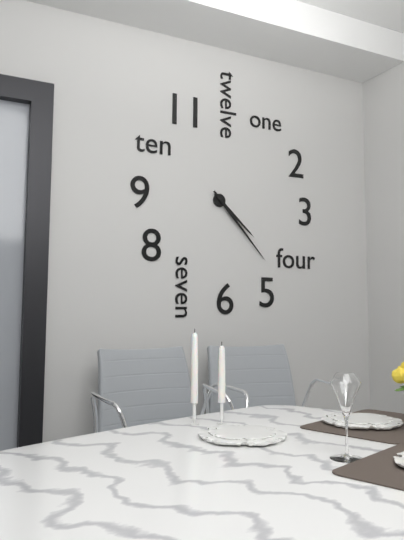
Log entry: 4:23
